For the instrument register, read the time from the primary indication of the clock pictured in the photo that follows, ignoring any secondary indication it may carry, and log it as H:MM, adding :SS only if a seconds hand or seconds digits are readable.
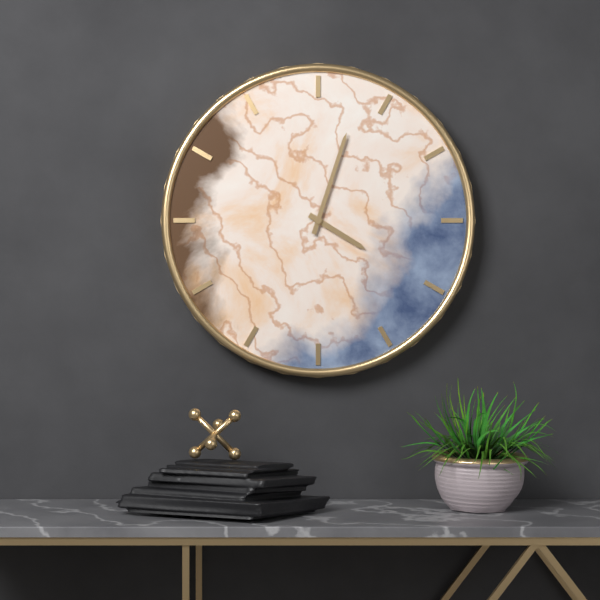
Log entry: 4:03
